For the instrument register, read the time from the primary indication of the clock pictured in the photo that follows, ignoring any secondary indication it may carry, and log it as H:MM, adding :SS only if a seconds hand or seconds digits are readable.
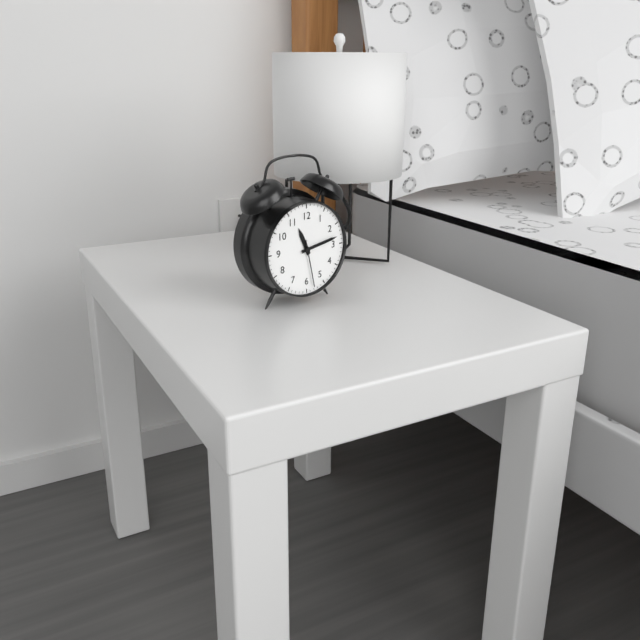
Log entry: 11:13
